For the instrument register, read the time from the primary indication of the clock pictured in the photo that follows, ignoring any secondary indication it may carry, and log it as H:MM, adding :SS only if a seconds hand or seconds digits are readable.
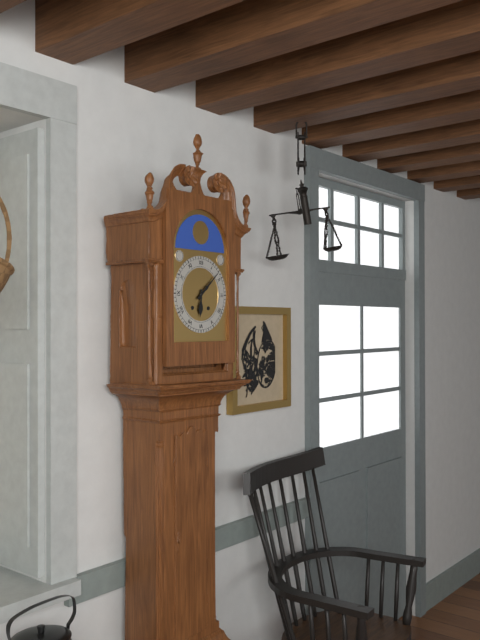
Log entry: 6:08
